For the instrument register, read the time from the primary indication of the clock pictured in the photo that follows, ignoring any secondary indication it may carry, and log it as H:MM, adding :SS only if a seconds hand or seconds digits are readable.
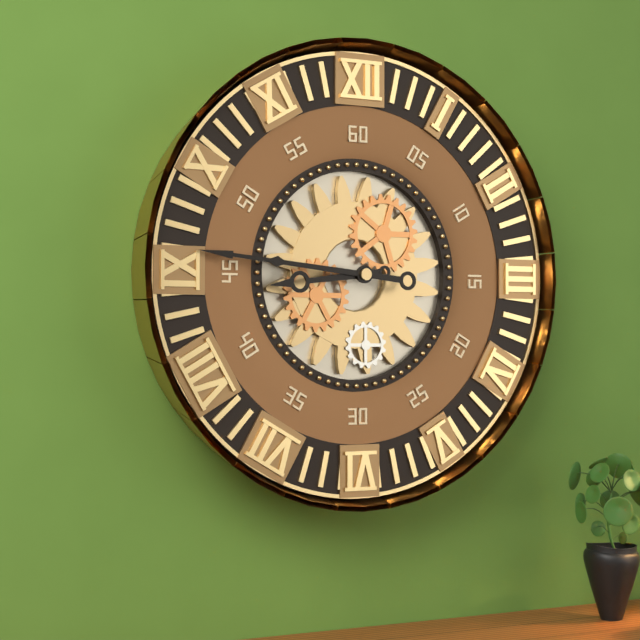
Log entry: 8:46
